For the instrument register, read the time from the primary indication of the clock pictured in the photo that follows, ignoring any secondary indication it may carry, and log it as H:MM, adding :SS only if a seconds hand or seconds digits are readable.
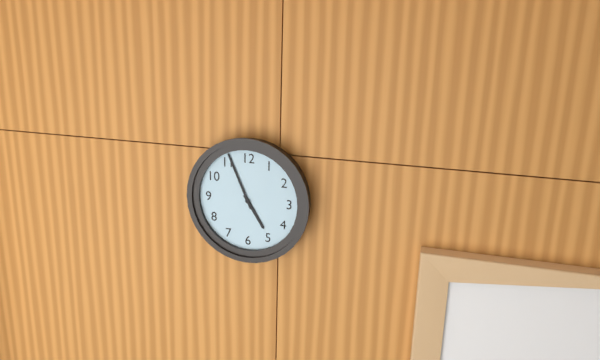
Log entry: 4:56
